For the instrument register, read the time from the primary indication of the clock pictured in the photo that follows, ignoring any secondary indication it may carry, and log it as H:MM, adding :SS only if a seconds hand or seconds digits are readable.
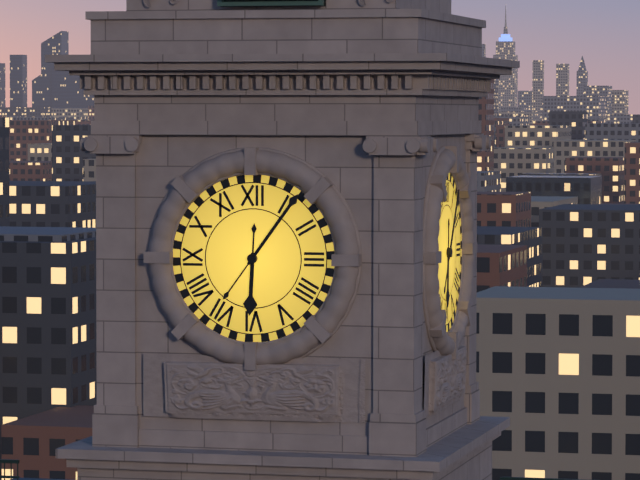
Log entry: 6:06
